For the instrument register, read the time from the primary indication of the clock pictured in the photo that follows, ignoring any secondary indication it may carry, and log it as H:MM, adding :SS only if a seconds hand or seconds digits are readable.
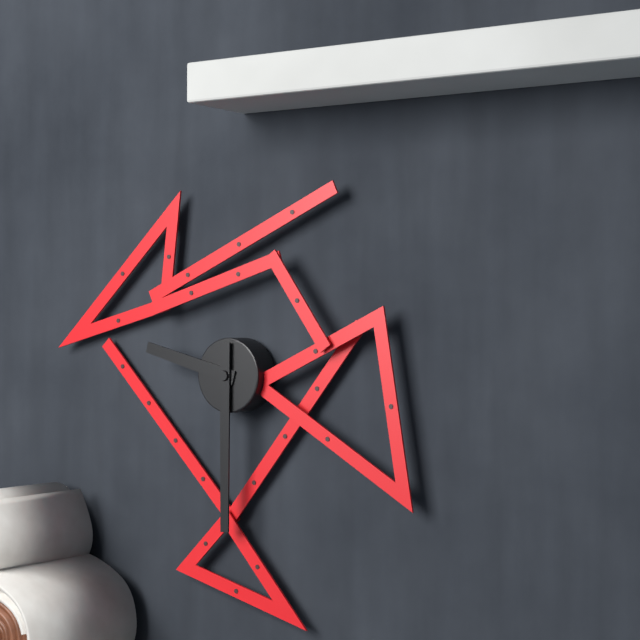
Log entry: 9:30
